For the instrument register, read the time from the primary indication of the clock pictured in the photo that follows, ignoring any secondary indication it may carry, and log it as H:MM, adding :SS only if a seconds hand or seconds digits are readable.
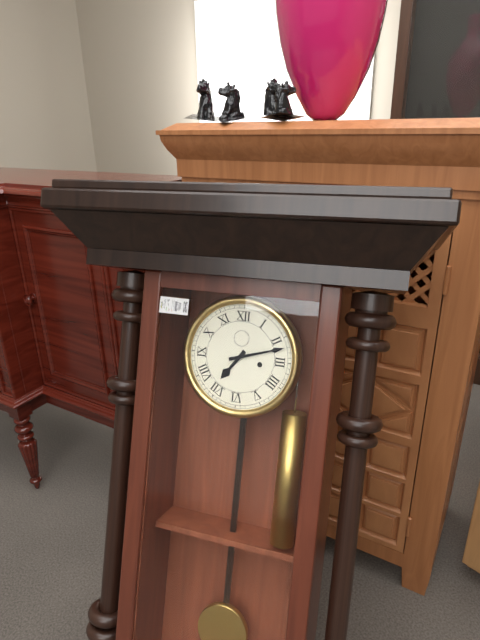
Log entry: 7:12
